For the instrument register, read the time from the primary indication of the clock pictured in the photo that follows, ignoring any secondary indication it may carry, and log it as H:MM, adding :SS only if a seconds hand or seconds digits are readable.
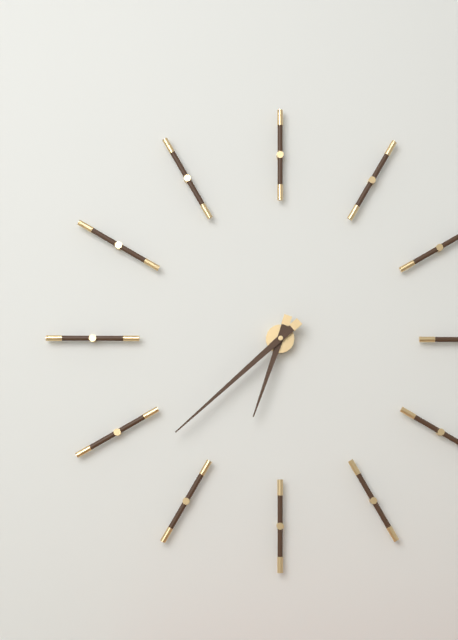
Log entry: 6:38
